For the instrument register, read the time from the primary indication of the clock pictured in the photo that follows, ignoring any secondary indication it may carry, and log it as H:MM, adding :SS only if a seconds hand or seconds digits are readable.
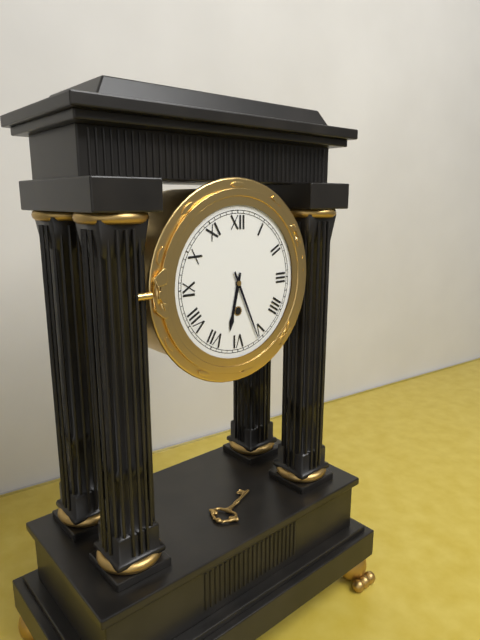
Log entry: 6:26
